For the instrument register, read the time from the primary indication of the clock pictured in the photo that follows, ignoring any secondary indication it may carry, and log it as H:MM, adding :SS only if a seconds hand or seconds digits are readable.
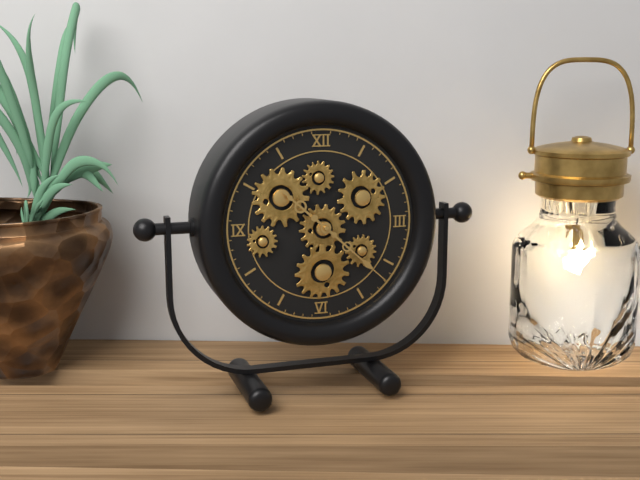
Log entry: 10:22
